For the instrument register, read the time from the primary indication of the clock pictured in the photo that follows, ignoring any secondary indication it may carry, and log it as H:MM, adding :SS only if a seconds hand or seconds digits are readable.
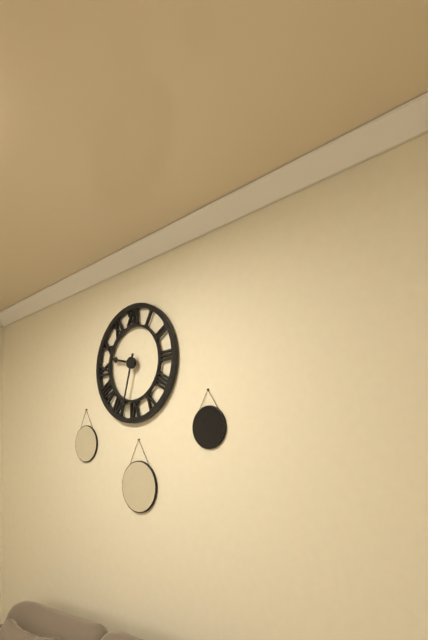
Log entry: 9:33
